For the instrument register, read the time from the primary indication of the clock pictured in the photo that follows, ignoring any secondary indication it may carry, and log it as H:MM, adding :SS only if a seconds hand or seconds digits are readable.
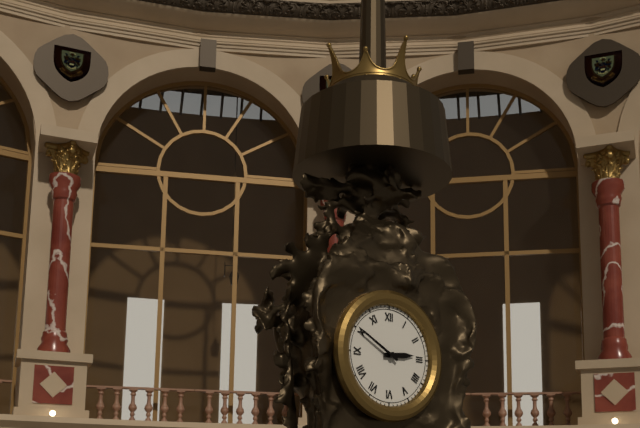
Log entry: 2:50
